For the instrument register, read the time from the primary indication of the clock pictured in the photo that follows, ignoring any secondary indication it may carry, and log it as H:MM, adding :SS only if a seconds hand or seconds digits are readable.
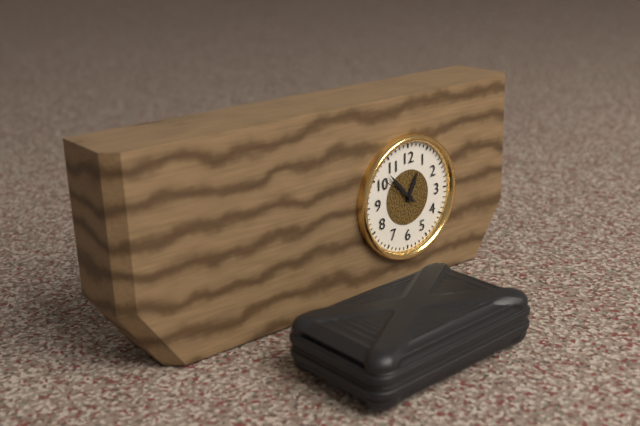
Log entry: 12:53
